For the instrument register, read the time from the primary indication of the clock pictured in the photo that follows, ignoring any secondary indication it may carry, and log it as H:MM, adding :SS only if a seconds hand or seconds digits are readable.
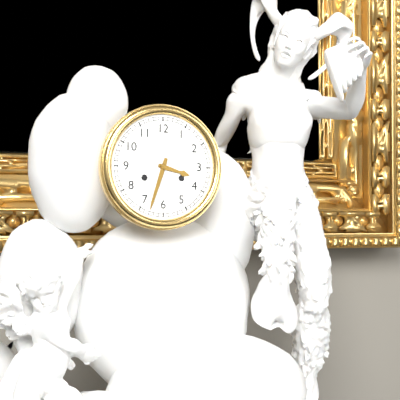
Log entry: 3:33
